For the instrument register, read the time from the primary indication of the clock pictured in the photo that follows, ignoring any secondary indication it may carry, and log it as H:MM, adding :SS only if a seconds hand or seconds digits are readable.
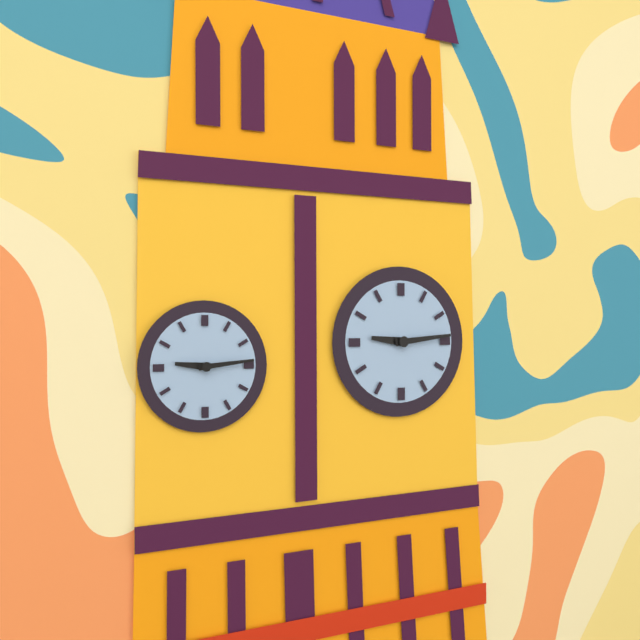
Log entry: 9:14
